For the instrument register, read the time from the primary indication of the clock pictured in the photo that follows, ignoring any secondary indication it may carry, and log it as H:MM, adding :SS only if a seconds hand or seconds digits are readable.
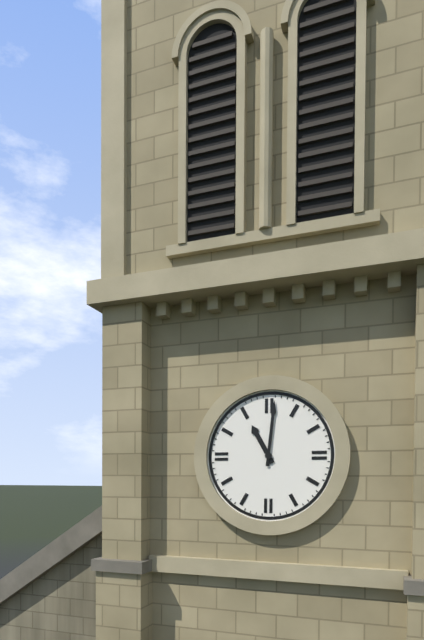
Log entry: 11:01
